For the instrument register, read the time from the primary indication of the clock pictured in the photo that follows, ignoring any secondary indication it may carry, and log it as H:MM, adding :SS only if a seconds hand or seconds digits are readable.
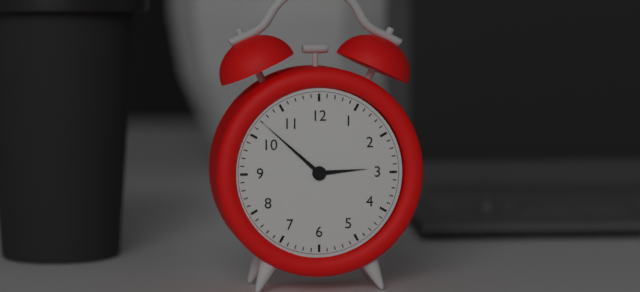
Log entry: 2:52
